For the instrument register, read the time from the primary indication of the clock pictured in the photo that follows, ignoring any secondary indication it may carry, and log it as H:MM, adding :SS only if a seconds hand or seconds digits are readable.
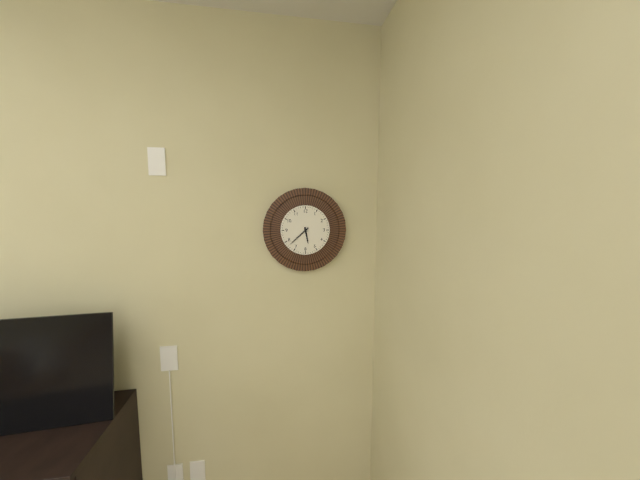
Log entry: 5:38
